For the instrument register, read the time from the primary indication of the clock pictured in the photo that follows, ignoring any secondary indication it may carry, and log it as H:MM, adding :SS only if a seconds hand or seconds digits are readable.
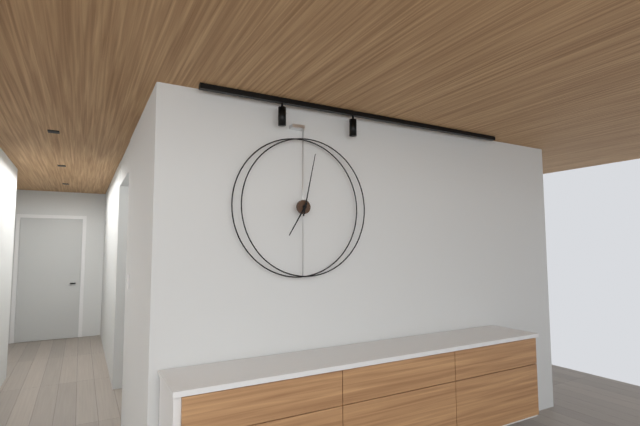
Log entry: 7:02
